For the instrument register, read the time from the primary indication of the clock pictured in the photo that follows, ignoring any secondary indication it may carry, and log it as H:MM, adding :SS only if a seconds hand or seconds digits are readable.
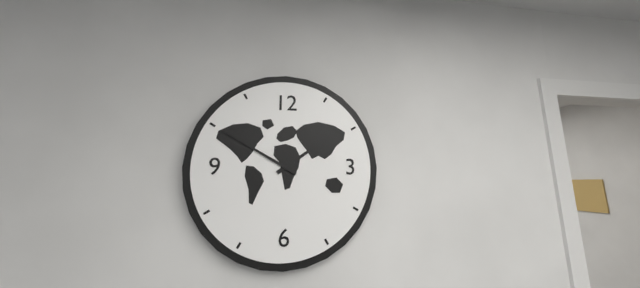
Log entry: 1:50
